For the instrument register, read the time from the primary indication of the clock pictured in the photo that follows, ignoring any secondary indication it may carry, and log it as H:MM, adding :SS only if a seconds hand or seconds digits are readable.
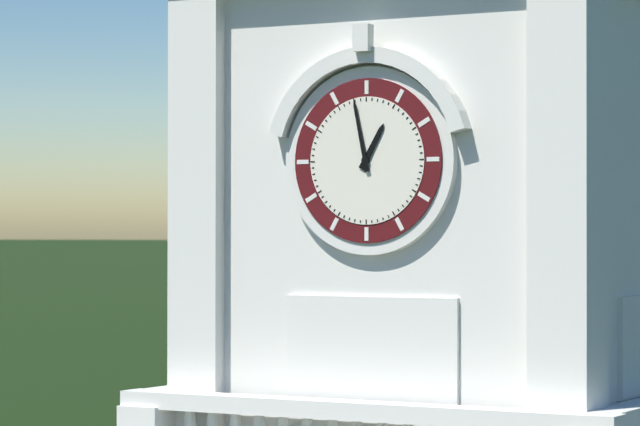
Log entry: 12:58
